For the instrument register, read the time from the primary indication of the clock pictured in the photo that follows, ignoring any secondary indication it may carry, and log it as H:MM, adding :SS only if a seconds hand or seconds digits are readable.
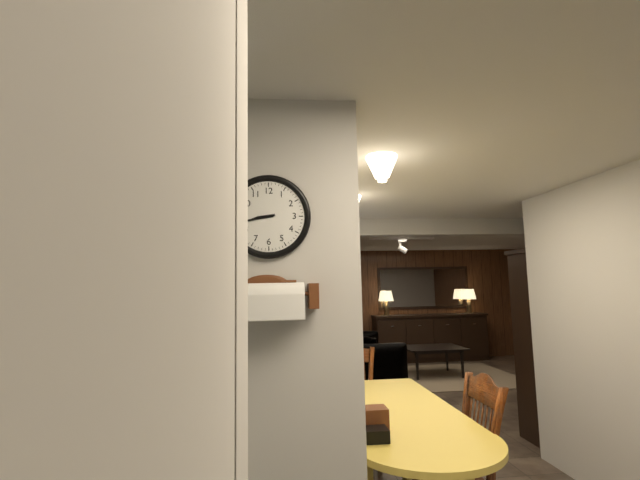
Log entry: 8:43
